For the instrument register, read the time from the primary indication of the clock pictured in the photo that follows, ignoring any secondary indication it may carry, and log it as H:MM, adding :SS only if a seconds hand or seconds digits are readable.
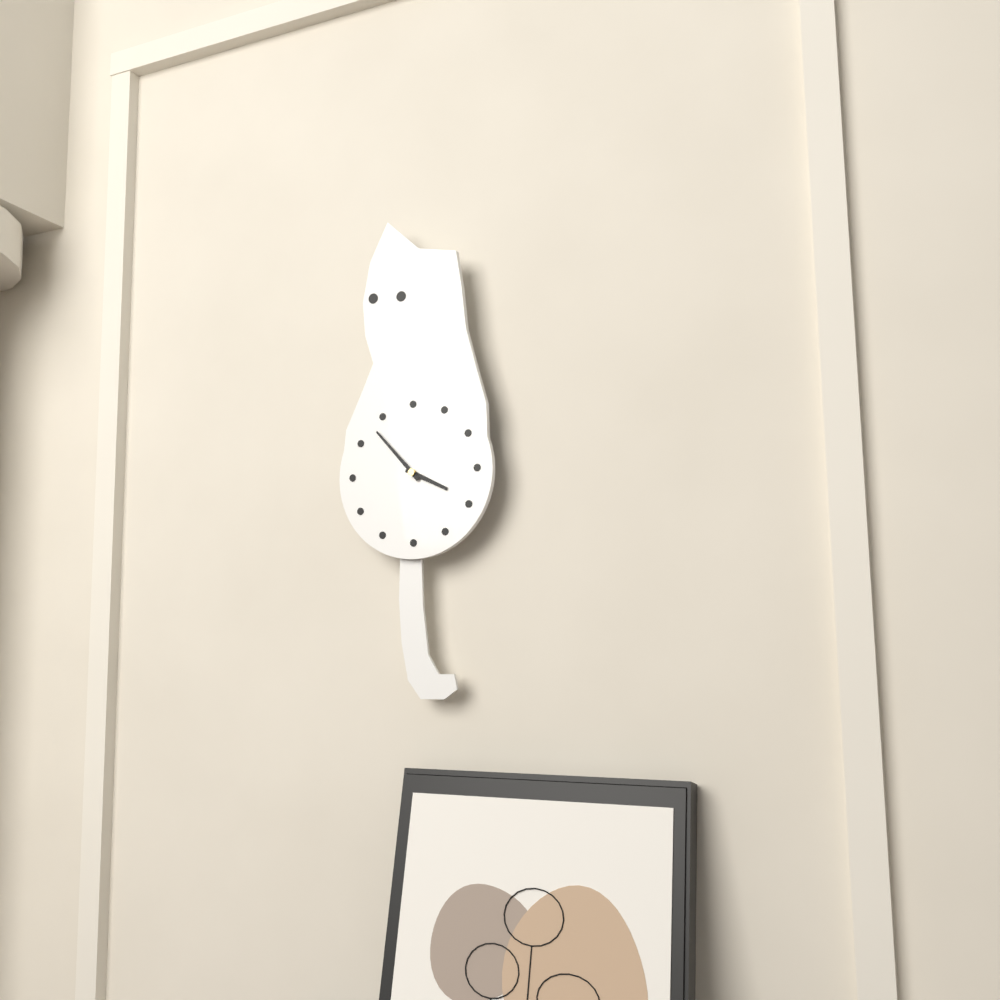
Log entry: 3:53
